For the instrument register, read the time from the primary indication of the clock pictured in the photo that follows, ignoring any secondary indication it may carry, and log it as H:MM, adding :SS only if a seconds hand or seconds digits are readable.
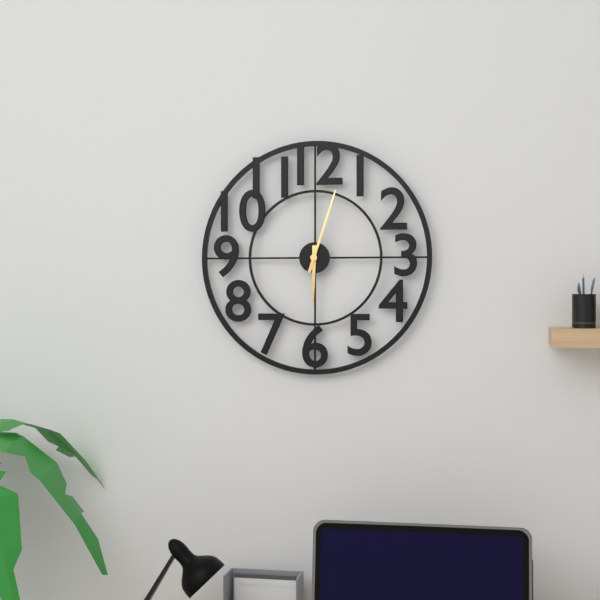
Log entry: 6:03
